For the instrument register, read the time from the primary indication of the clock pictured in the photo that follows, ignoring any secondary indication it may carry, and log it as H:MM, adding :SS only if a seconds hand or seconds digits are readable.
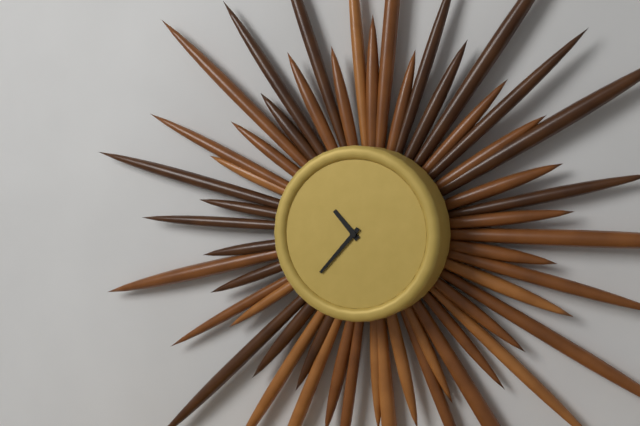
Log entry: 10:37
